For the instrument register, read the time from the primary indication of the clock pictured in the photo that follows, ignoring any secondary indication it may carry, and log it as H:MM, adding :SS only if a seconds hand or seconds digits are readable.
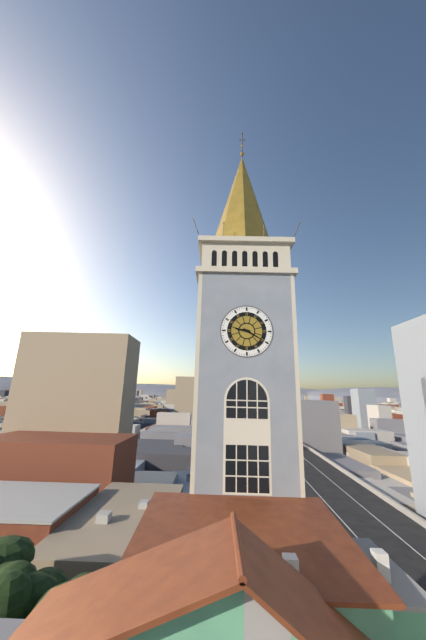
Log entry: 9:20
